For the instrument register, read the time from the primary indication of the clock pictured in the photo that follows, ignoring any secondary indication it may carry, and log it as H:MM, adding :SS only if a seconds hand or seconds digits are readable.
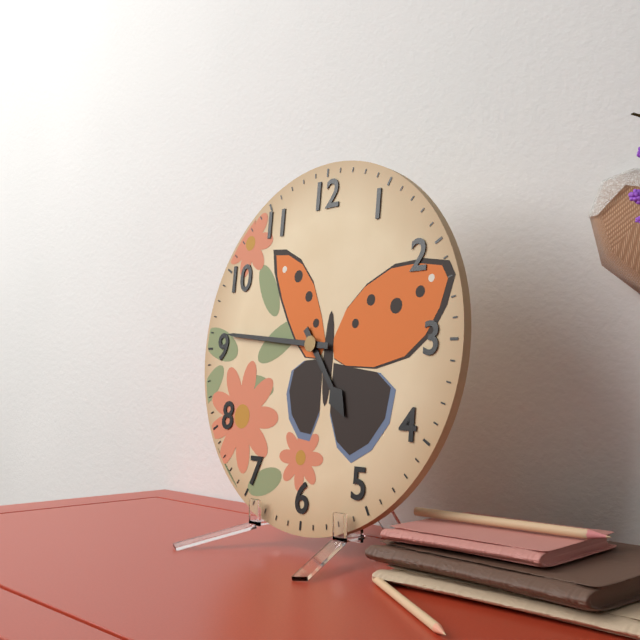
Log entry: 4:46
